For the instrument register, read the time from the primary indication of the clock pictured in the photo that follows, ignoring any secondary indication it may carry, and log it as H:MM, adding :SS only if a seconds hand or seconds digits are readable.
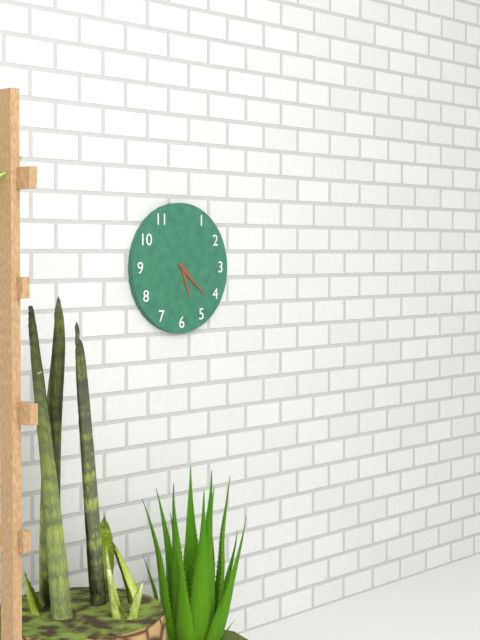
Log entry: 5:22
